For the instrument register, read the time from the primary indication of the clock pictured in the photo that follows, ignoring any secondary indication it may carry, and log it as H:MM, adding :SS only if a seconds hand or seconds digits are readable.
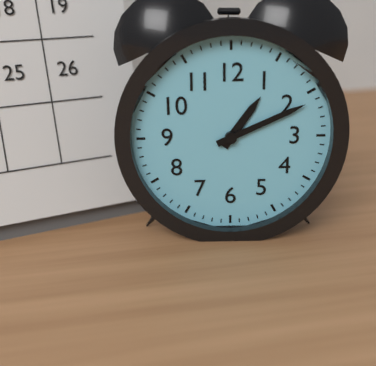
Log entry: 1:11
